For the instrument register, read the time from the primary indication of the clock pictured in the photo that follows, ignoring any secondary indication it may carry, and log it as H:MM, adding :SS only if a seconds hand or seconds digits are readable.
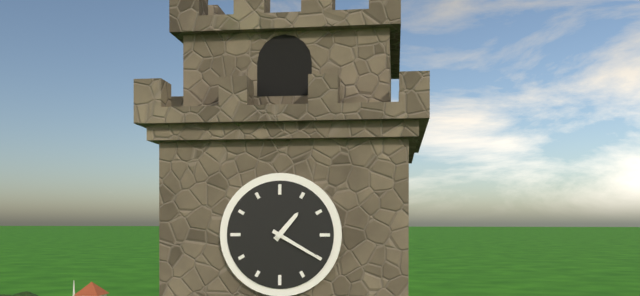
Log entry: 1:20
